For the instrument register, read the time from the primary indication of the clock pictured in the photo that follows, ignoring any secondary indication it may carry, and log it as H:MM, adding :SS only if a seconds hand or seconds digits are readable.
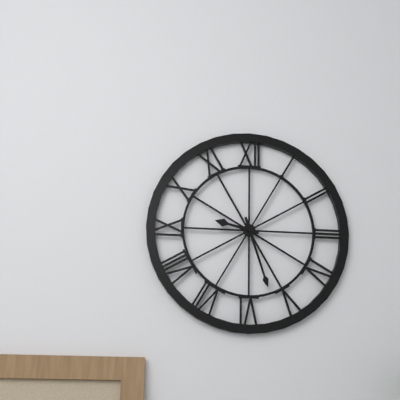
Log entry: 9:27
